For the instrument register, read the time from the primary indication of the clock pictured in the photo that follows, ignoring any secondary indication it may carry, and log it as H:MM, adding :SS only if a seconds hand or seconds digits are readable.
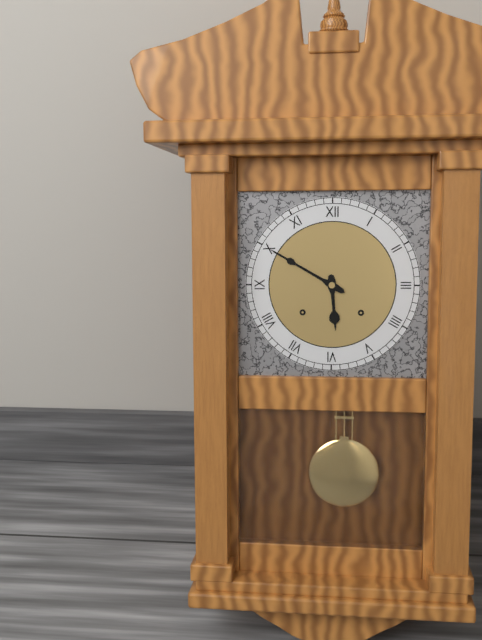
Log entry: 5:50
